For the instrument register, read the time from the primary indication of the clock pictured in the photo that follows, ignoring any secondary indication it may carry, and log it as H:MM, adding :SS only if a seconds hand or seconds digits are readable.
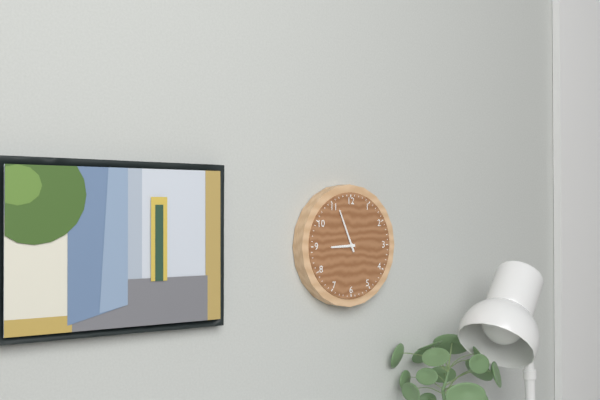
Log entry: 8:56
